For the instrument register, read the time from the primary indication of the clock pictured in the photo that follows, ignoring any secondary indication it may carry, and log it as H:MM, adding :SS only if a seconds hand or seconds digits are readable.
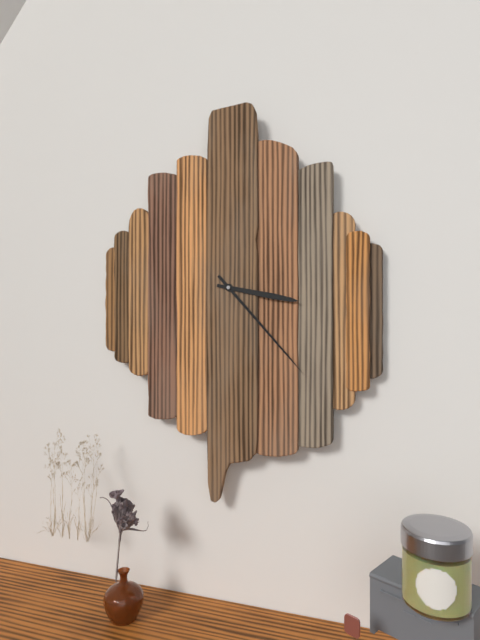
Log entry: 3:23
